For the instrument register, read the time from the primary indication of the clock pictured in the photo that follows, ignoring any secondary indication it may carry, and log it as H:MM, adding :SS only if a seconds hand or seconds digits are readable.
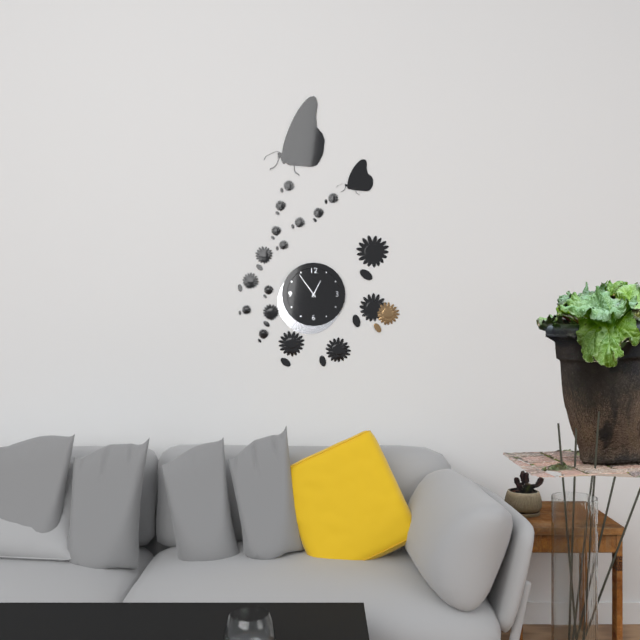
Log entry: 12:54
